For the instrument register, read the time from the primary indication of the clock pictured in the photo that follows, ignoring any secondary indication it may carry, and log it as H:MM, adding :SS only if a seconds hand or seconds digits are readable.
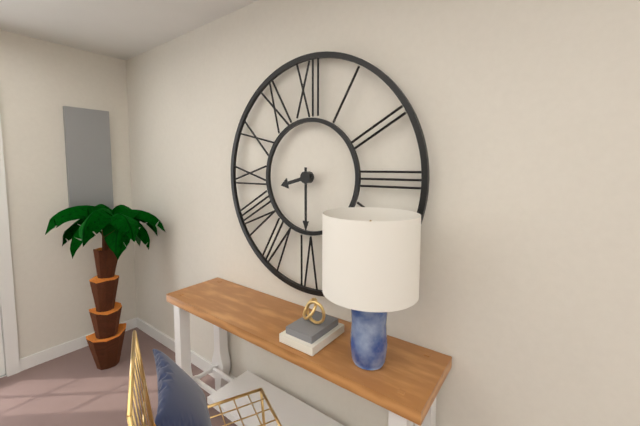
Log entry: 8:30
